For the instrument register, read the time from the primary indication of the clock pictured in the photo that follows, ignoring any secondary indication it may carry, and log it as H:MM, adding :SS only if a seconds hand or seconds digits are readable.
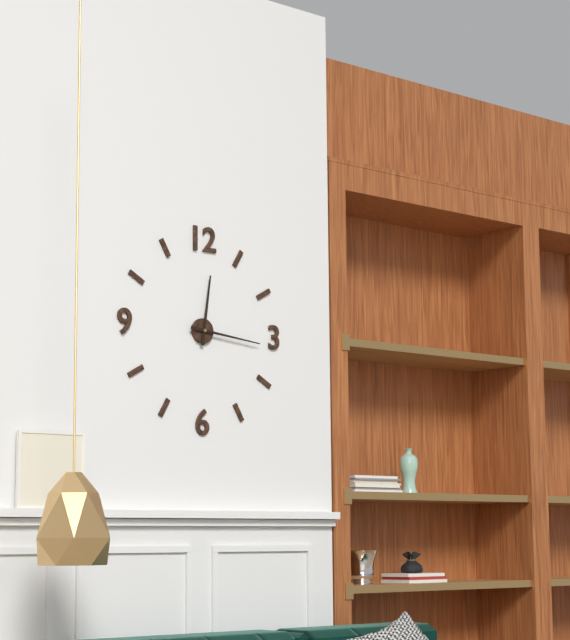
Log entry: 12:16
